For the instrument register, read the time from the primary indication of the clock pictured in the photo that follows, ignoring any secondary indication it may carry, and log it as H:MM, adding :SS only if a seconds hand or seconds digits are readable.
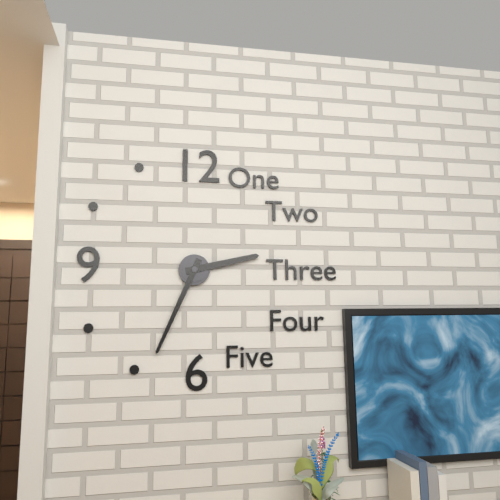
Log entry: 2:34
